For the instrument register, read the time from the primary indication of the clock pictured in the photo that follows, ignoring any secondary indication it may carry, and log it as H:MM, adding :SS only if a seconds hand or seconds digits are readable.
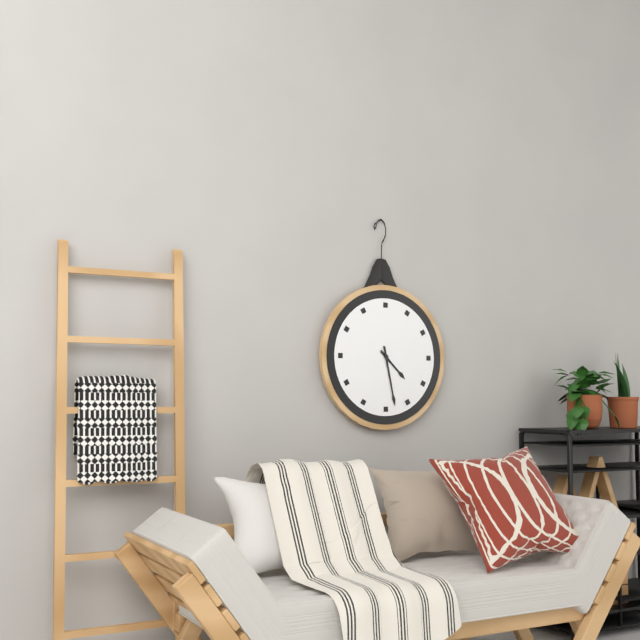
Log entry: 4:28
